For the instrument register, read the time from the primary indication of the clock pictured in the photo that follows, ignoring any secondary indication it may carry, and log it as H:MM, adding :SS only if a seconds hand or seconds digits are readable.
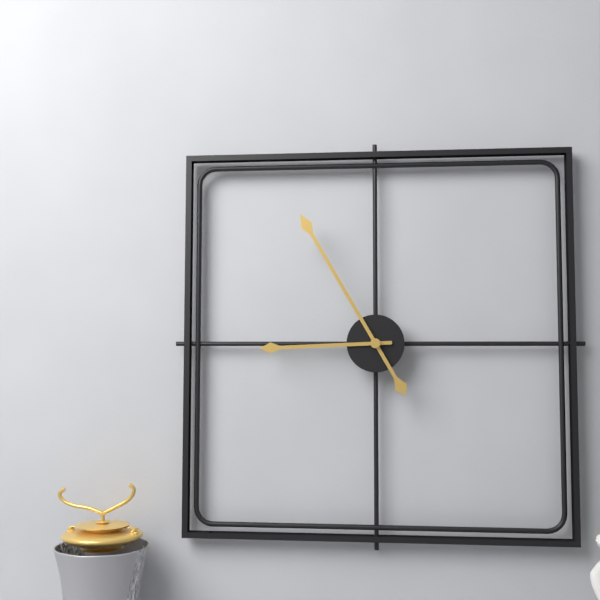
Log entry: 8:55
